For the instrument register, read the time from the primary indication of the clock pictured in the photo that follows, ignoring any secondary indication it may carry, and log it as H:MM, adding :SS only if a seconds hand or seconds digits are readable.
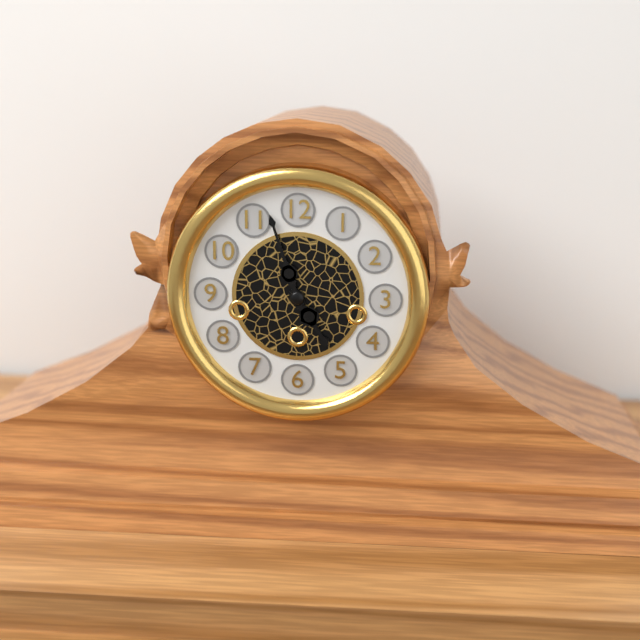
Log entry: 4:57
